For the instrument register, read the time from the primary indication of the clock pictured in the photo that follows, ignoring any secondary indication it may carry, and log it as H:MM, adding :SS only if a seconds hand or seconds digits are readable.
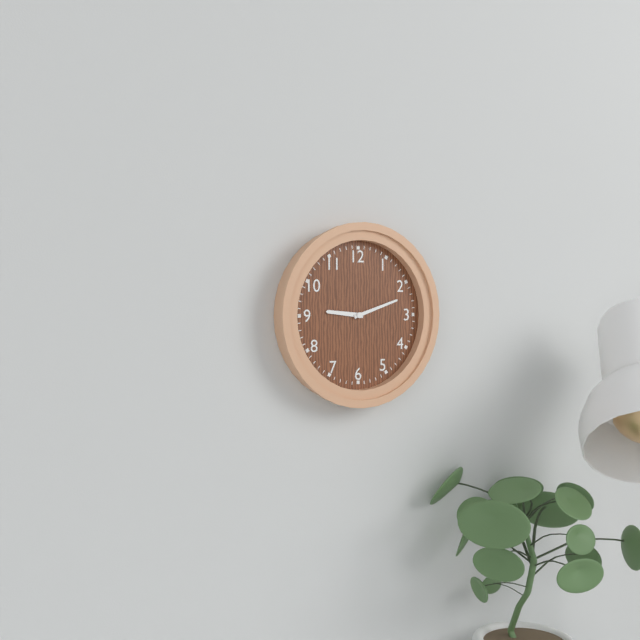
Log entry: 9:12
